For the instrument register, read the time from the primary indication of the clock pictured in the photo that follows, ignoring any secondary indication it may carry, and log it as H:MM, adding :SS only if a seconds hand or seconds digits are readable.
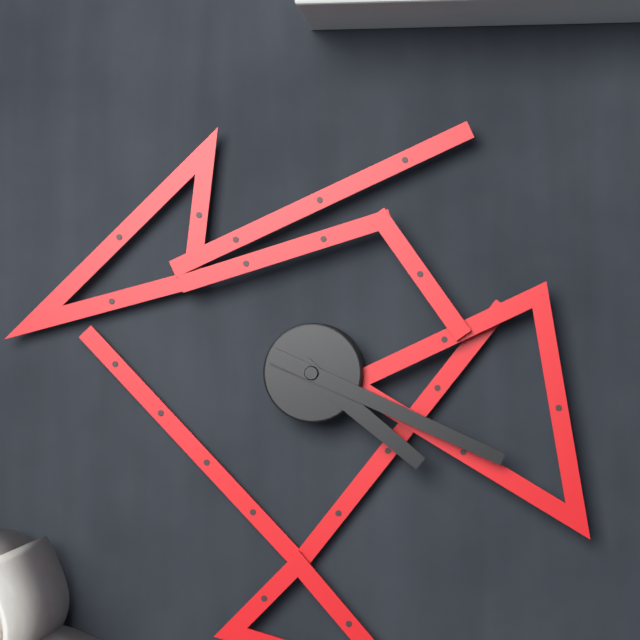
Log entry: 4:19
